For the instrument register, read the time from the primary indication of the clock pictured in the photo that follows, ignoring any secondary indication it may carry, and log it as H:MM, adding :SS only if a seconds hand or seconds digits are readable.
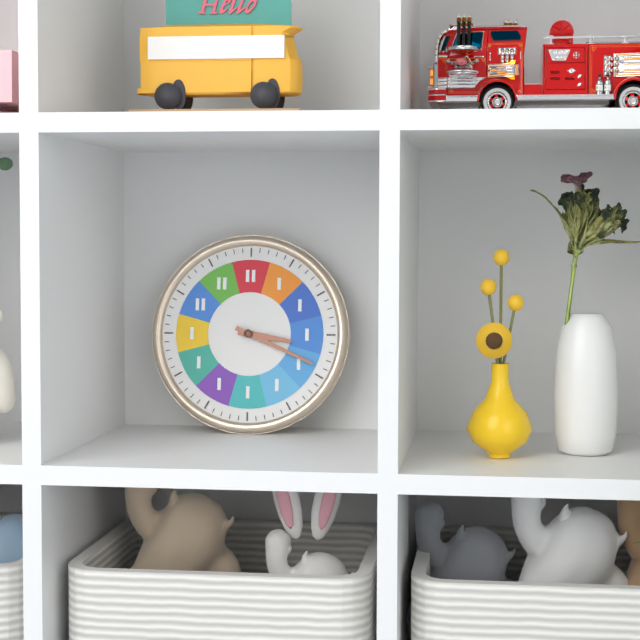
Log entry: 3:19
